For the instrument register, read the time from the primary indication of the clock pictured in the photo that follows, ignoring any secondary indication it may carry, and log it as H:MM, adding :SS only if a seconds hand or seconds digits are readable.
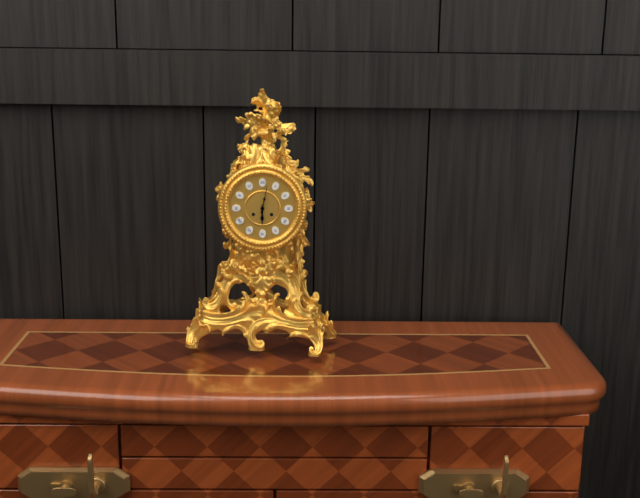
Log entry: 6:02
